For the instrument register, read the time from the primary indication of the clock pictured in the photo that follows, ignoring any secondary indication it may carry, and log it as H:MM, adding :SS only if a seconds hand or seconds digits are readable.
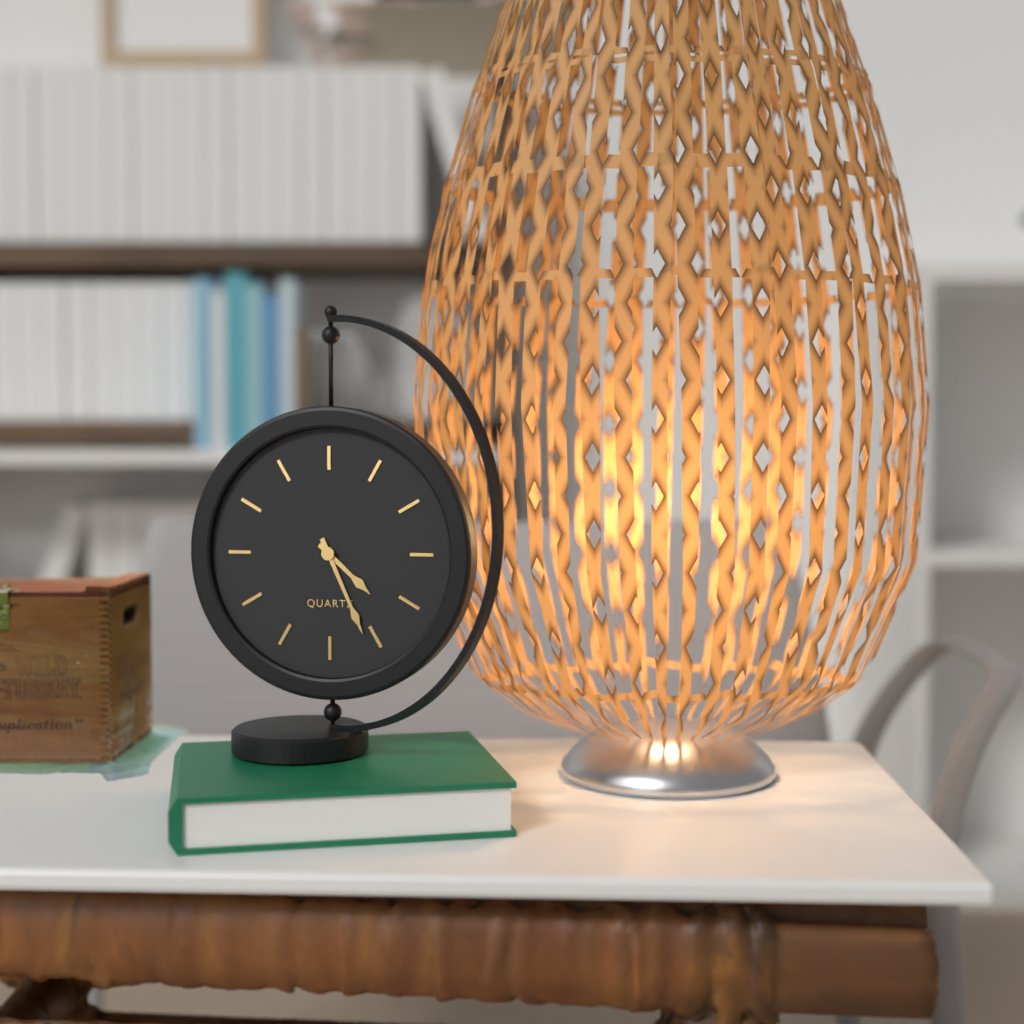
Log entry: 4:26
